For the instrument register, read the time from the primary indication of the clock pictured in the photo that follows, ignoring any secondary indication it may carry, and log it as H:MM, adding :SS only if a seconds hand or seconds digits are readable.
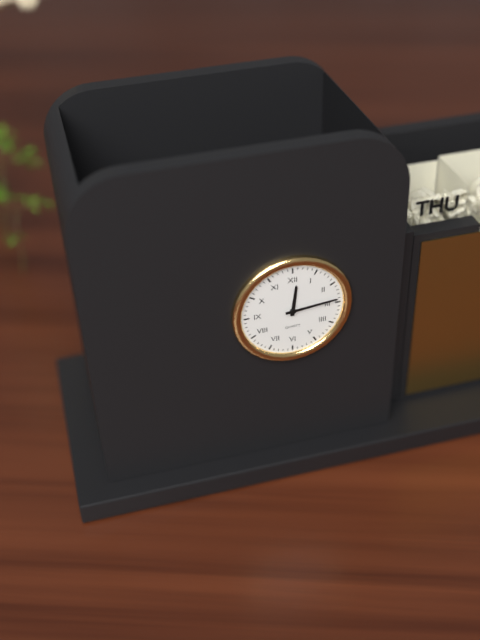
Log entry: 12:14
